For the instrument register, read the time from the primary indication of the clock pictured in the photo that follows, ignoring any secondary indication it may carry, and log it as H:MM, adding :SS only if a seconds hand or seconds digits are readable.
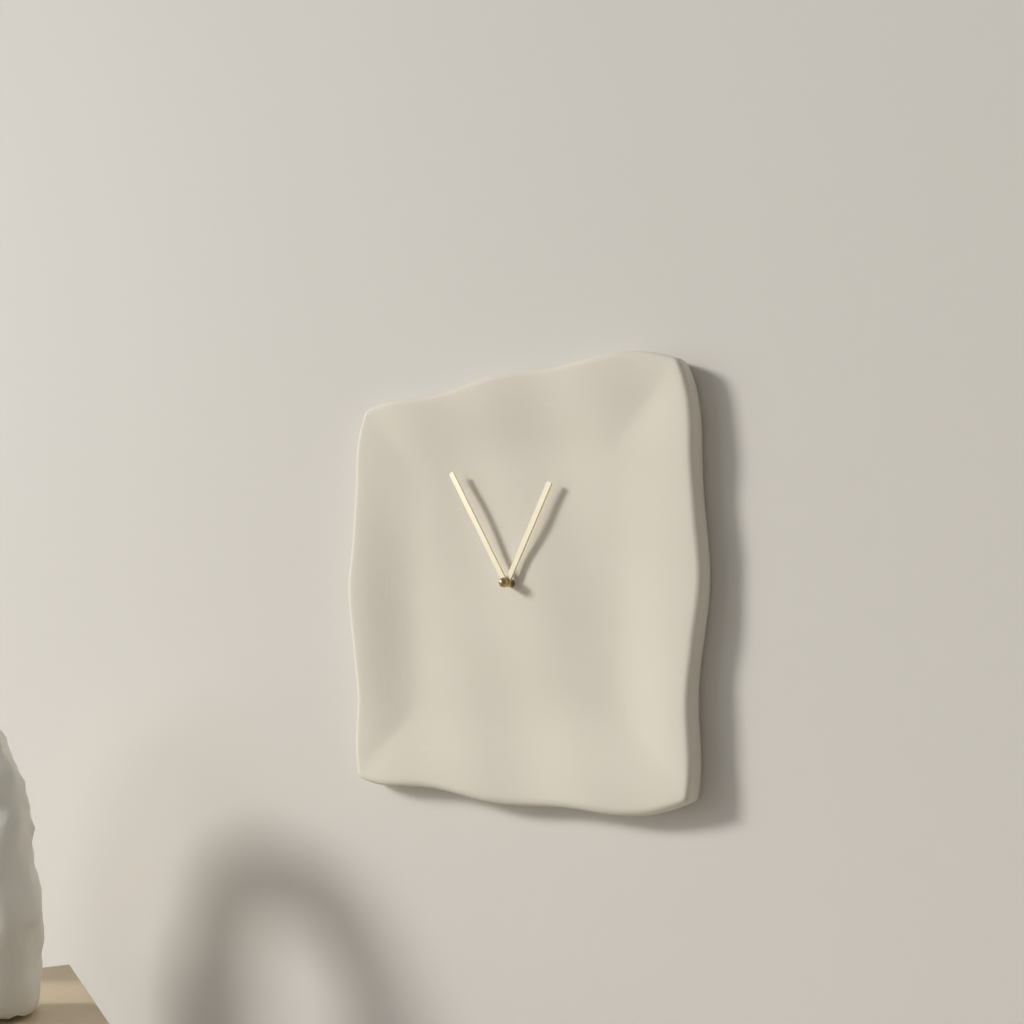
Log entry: 12:55
